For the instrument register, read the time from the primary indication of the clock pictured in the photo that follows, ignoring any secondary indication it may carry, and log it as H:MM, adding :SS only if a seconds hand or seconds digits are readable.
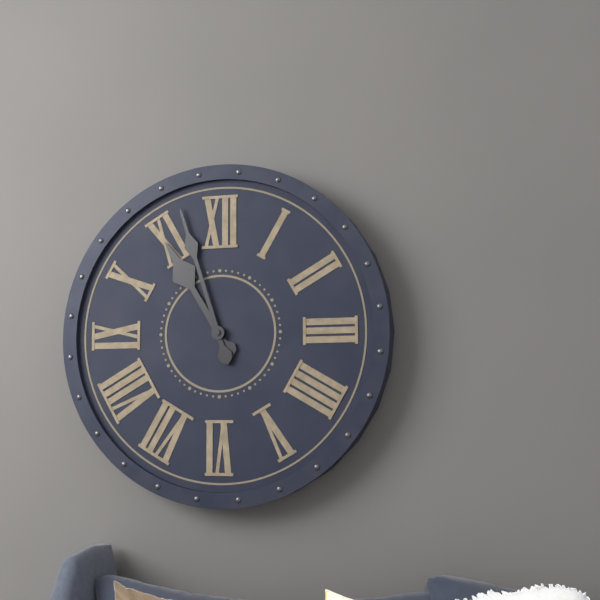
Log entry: 10:57
